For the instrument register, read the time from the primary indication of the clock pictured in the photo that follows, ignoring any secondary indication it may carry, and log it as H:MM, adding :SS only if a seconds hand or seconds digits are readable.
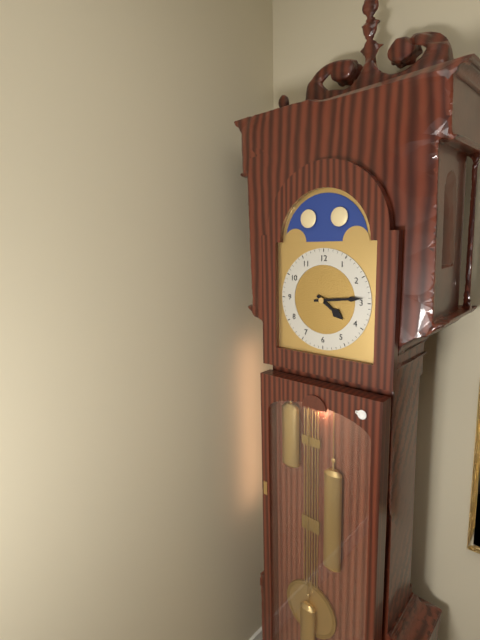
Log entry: 4:14
